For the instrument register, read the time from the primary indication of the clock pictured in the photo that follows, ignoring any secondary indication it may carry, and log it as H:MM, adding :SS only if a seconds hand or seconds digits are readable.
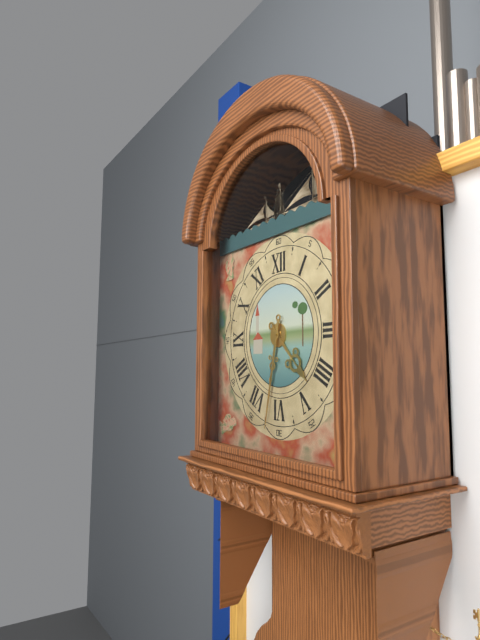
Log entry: 4:32
